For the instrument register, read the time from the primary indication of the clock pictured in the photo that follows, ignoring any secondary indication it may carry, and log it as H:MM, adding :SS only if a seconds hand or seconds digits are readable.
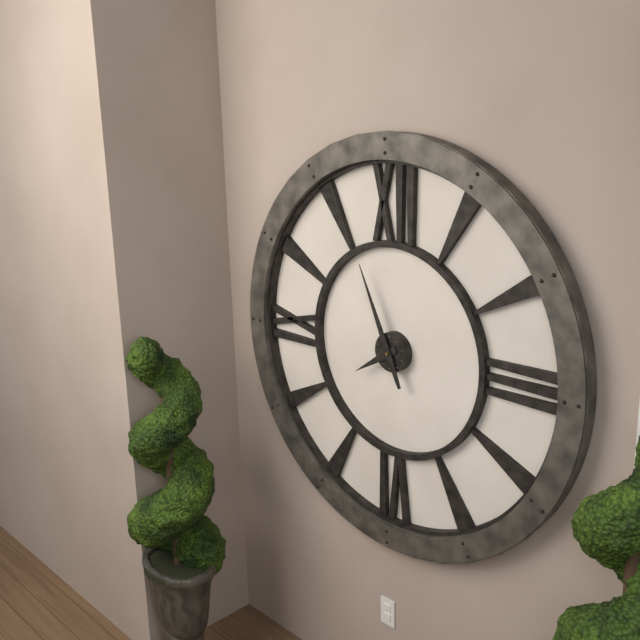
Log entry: 7:56
